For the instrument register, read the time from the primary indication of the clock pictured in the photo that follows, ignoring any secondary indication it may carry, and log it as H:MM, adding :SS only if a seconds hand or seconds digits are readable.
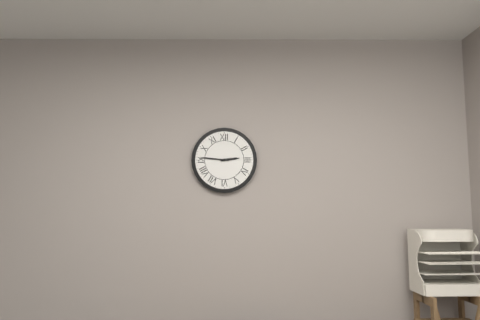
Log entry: 2:46
